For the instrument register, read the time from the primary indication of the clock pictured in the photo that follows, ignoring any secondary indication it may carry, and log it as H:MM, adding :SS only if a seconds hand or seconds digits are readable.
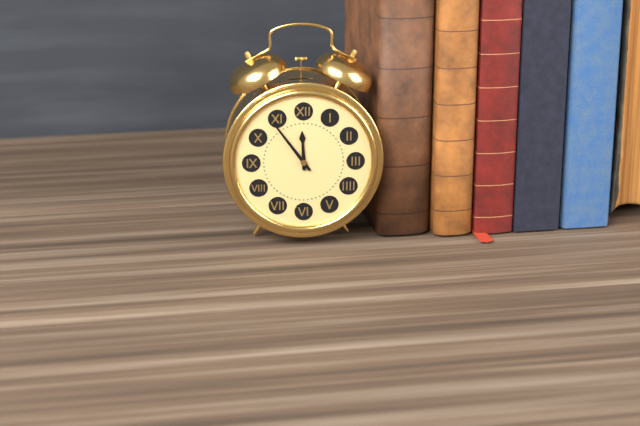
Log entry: 11:54
